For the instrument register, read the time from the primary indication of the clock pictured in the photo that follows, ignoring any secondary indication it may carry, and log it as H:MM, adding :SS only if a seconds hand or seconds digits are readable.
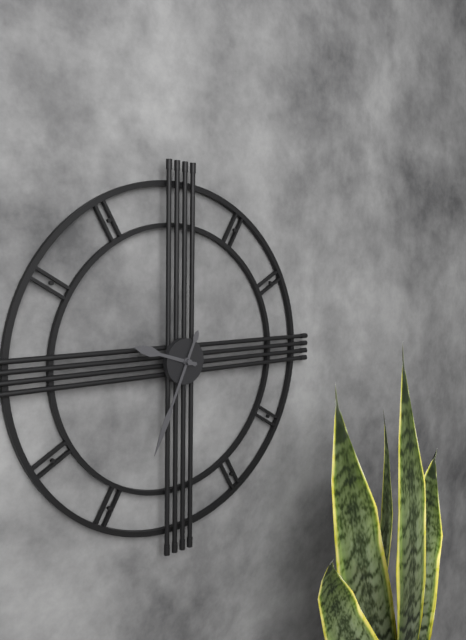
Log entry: 9:34
